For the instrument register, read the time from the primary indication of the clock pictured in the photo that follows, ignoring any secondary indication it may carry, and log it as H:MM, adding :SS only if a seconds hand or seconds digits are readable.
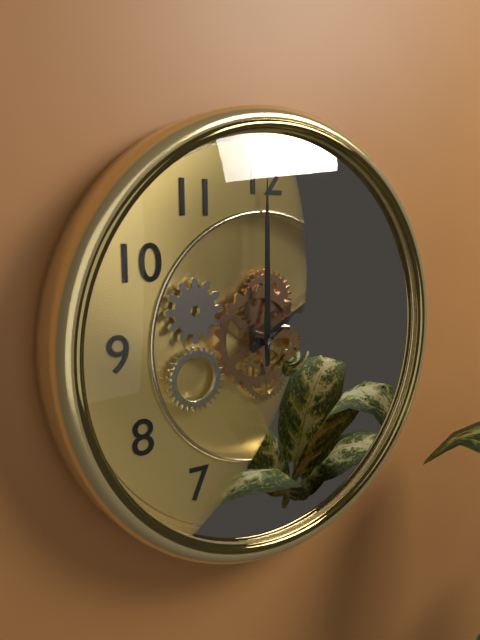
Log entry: 2:00
